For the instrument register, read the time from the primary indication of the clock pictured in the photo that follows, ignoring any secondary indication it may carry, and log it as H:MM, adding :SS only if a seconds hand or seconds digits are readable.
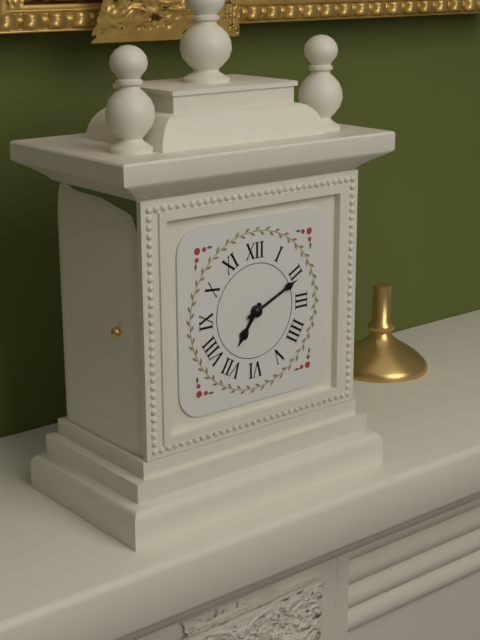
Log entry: 7:11
